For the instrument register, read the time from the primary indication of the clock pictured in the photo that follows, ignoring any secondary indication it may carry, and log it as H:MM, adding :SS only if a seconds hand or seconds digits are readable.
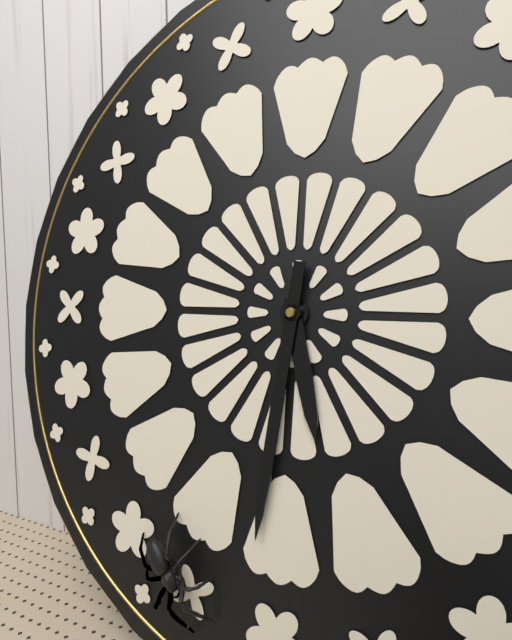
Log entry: 5:31
